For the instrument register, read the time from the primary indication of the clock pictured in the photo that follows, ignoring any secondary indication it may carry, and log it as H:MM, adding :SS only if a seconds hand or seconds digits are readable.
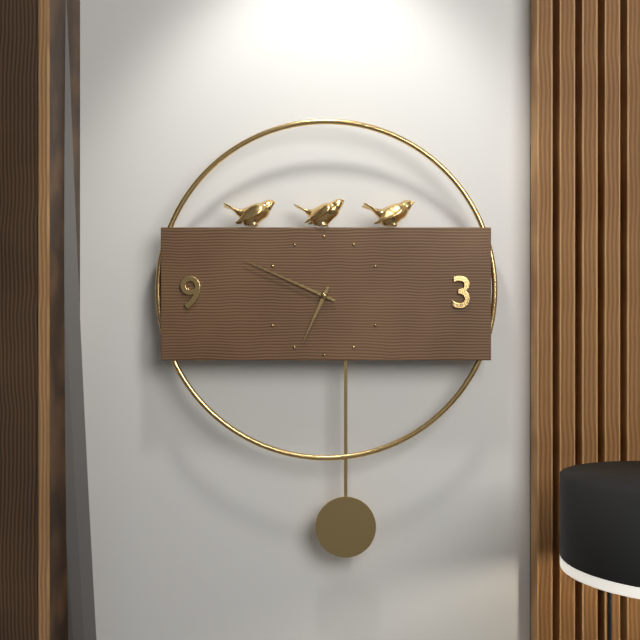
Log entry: 6:49
